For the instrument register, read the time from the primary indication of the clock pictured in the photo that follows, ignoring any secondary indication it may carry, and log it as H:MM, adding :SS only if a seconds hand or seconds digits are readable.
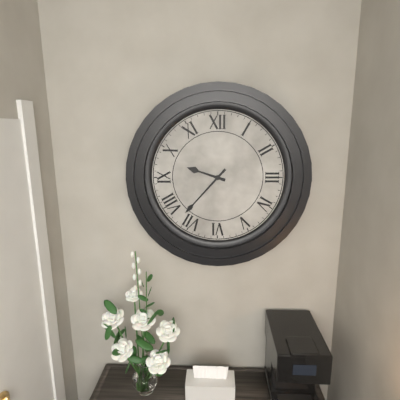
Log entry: 9:37
